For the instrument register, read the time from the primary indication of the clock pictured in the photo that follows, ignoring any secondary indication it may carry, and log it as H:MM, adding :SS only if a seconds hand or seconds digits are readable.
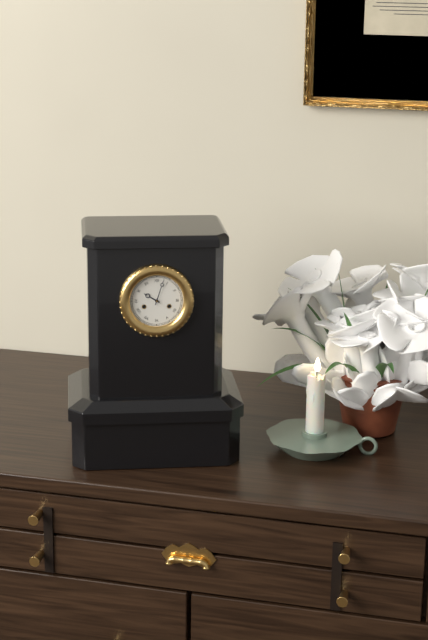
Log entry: 10:03
